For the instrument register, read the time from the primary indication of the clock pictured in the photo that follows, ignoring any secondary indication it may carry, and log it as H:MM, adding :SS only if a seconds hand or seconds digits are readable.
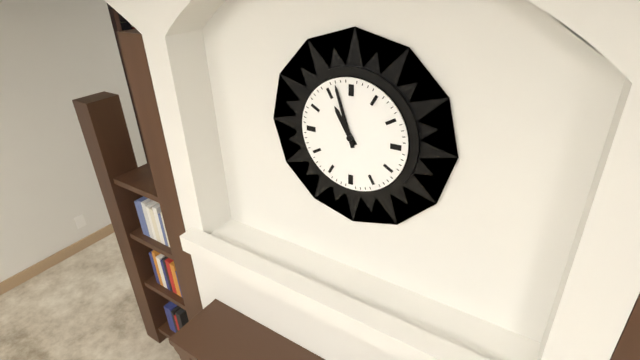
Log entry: 10:57
